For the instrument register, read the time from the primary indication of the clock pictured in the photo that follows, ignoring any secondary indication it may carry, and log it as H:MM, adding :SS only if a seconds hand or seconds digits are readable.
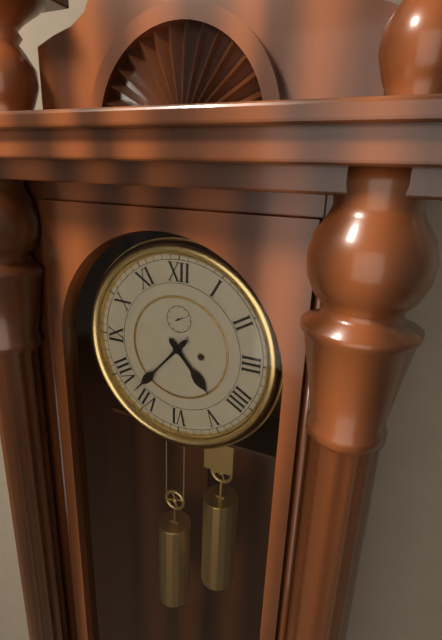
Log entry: 4:37
